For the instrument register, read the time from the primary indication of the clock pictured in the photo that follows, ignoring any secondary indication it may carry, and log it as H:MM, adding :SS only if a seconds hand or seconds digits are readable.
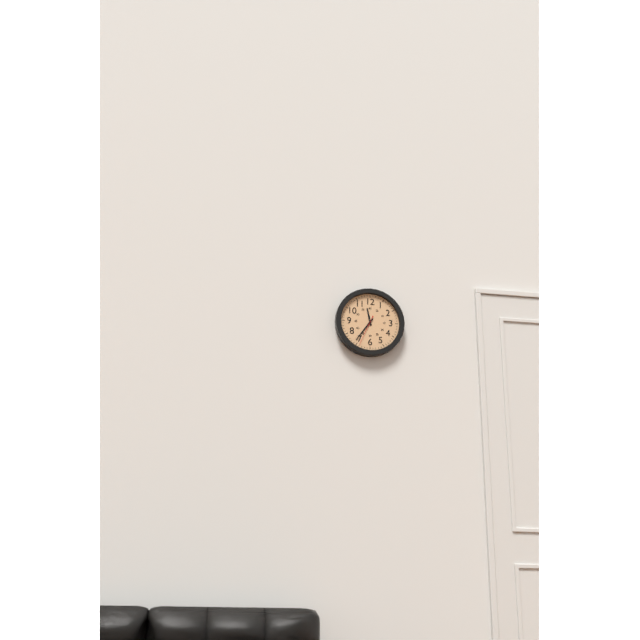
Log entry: 11:36
